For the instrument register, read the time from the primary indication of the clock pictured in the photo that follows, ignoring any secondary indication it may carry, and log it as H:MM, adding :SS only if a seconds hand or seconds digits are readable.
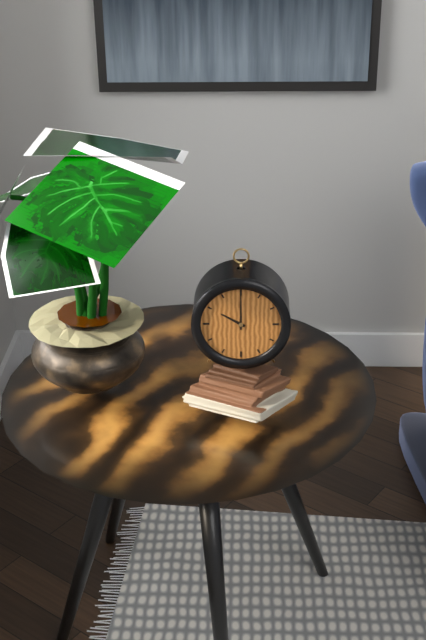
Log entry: 10:00
